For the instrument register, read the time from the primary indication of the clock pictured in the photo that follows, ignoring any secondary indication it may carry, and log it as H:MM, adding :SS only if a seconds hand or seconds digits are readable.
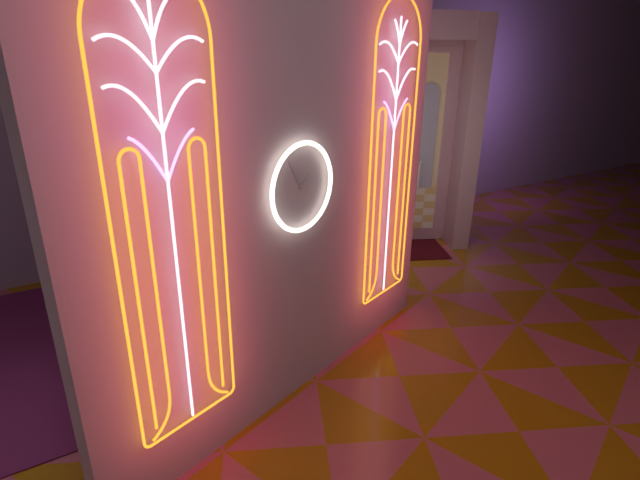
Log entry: 1:55
